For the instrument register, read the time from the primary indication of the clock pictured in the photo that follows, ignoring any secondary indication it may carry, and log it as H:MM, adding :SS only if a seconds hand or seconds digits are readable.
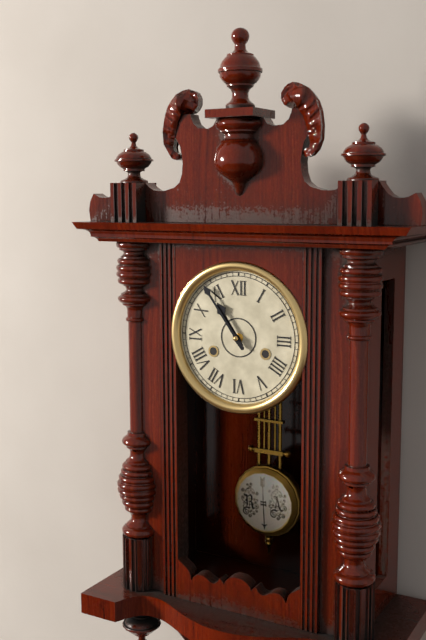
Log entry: 10:54
